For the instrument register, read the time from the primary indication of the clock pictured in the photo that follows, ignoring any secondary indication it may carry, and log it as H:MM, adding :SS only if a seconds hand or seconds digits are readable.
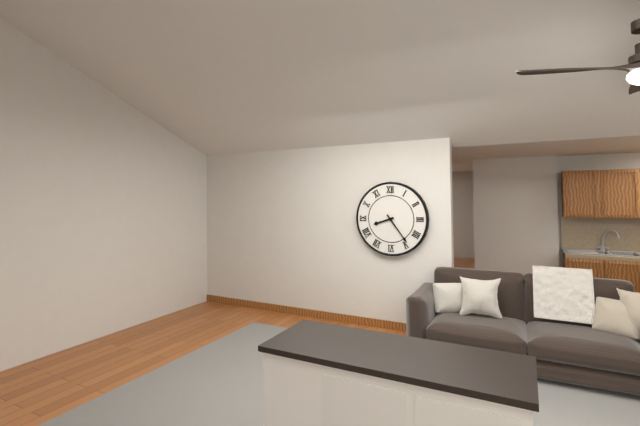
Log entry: 8:24
